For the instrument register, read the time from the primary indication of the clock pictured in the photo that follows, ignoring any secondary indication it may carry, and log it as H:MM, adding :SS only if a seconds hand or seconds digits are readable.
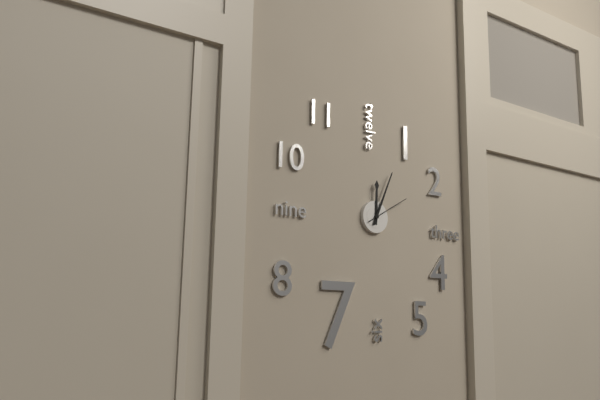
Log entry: 12:04
